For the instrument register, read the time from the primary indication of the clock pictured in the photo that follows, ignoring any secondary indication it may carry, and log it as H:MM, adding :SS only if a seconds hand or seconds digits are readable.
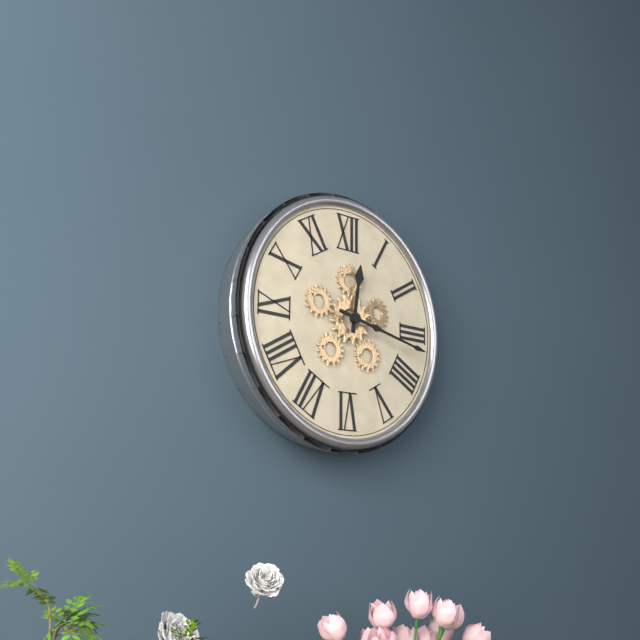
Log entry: 12:17
